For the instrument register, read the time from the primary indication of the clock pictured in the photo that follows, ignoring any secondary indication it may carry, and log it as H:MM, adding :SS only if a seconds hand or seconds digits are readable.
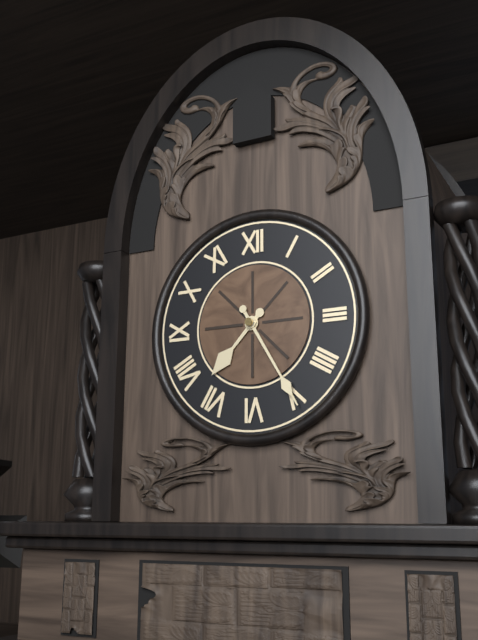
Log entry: 7:25
